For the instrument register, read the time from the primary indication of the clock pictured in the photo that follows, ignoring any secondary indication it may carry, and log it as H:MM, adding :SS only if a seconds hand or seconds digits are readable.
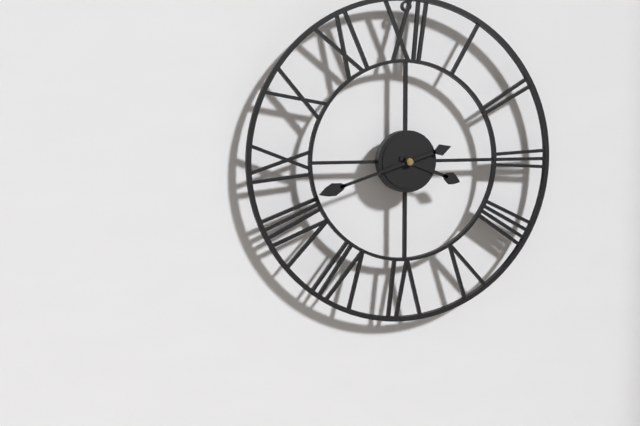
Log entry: 3:42
